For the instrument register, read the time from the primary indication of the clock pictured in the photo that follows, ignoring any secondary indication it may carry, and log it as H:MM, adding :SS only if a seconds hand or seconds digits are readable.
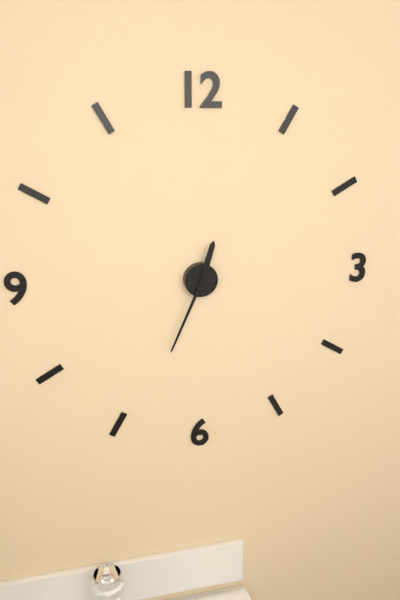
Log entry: 12:34
